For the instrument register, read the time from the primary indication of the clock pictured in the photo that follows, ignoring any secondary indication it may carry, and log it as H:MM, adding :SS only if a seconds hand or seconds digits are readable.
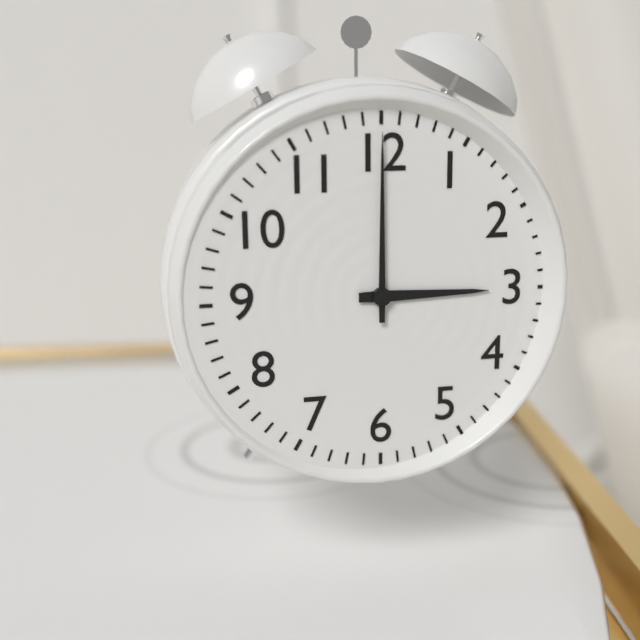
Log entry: 3:00
